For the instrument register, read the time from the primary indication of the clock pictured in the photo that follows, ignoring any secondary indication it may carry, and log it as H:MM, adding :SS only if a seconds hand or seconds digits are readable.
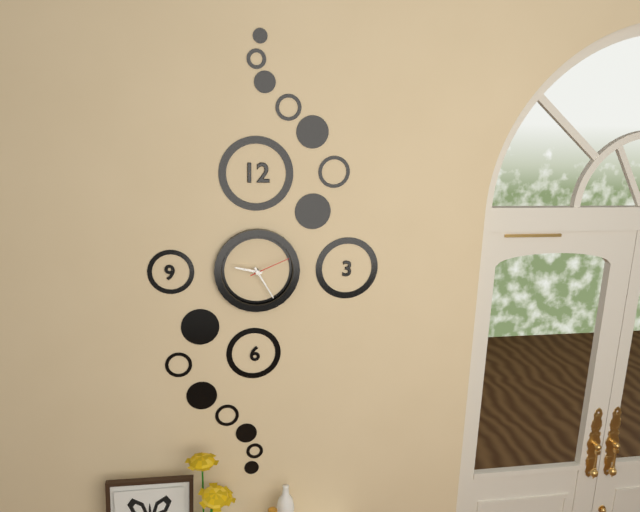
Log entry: 9:25
